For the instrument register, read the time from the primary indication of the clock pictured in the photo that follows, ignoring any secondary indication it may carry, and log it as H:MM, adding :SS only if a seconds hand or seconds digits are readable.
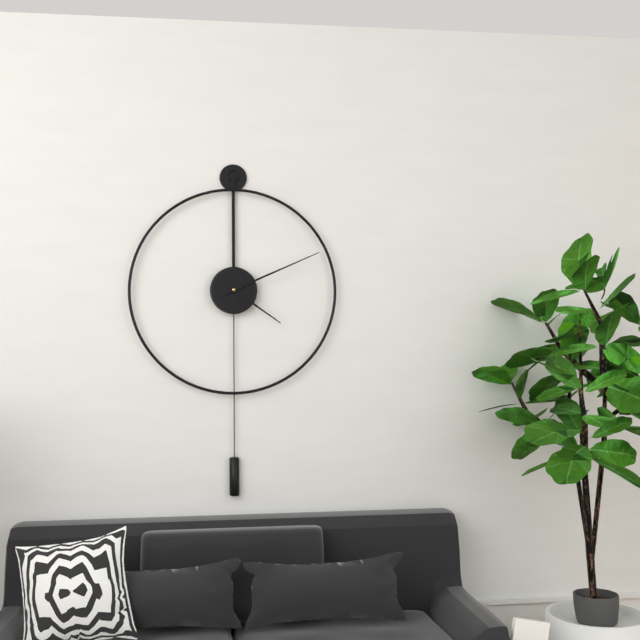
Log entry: 4:11
